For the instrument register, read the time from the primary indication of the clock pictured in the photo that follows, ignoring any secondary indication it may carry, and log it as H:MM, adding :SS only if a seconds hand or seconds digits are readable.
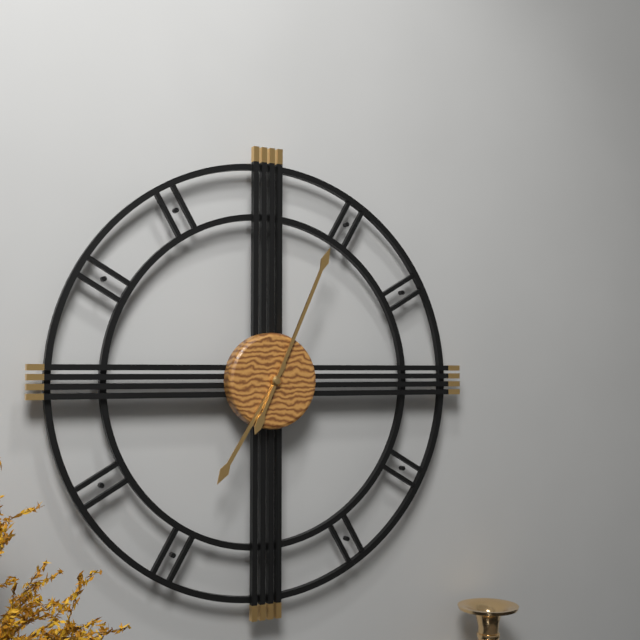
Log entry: 7:04
